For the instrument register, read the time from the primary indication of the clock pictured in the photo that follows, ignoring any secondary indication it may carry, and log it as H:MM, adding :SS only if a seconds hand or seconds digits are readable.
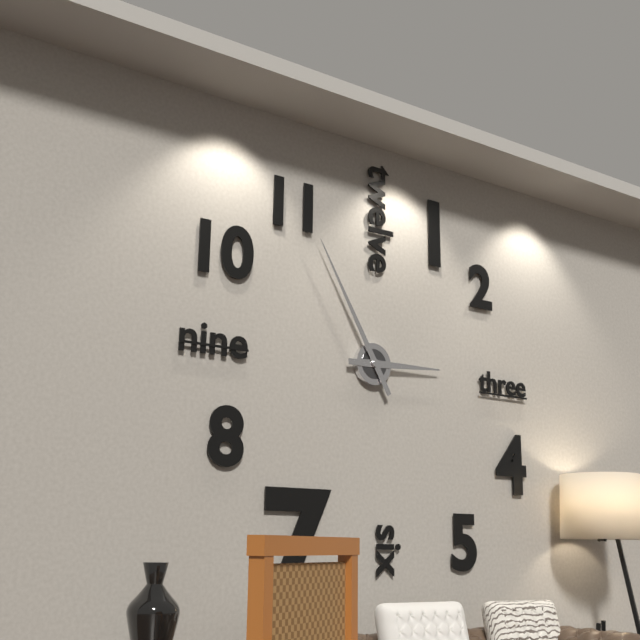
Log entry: 2:55
